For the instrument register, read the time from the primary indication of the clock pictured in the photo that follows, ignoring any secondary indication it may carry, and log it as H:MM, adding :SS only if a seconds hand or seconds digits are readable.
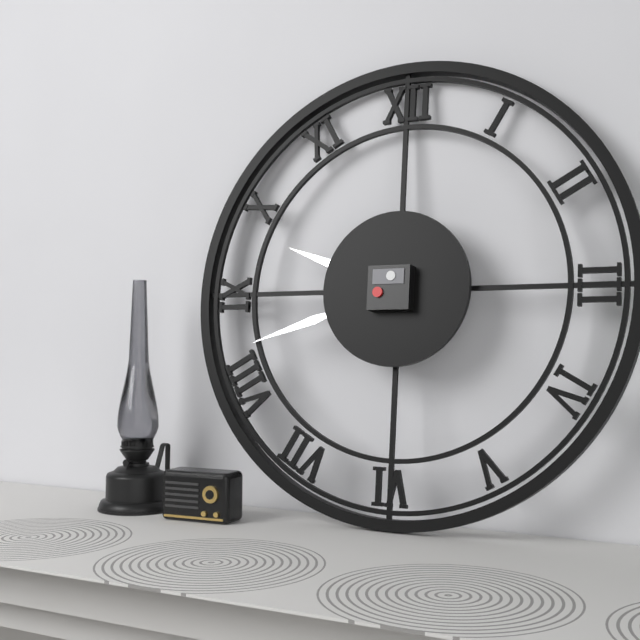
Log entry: 9:42
